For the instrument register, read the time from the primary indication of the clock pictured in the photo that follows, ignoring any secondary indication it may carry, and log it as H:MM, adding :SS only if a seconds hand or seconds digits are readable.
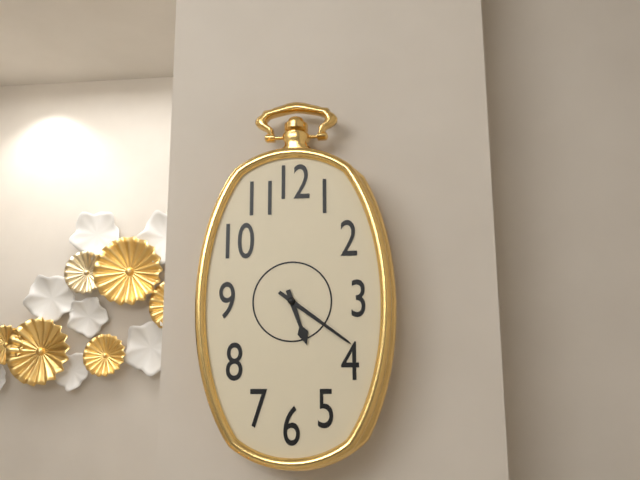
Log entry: 5:21
